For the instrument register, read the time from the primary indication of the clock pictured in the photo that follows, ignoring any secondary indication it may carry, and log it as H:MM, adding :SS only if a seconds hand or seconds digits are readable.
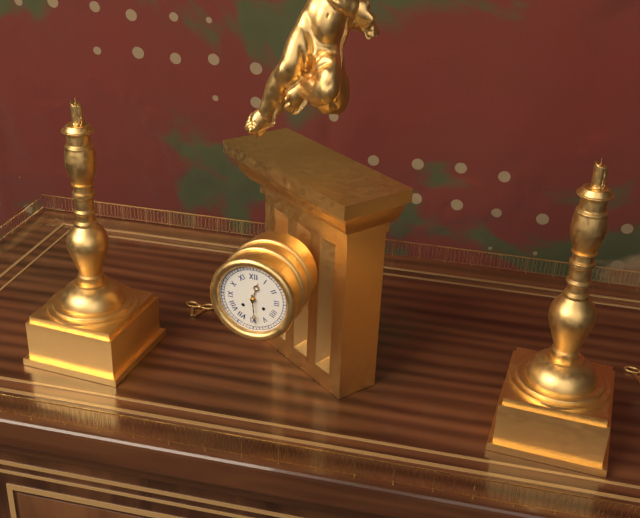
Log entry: 12:29
